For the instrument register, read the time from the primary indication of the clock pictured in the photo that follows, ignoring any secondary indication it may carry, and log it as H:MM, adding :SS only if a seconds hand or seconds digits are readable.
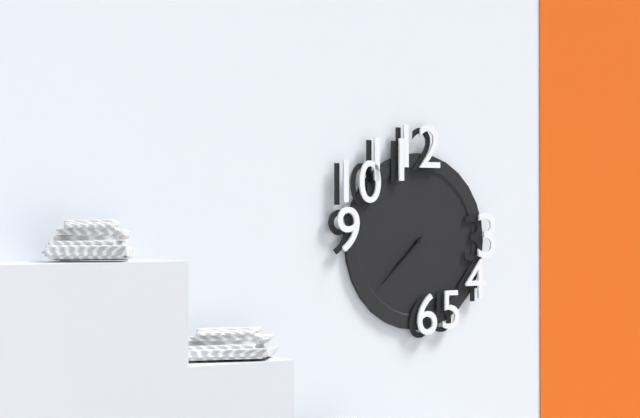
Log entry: 7:38
